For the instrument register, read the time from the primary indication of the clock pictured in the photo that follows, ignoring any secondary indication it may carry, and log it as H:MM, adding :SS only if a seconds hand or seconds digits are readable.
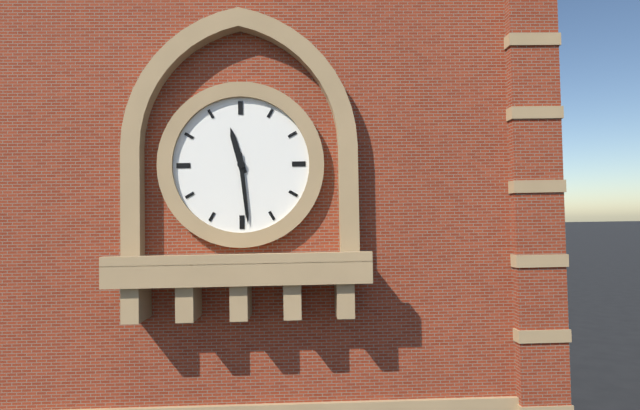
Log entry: 11:29
